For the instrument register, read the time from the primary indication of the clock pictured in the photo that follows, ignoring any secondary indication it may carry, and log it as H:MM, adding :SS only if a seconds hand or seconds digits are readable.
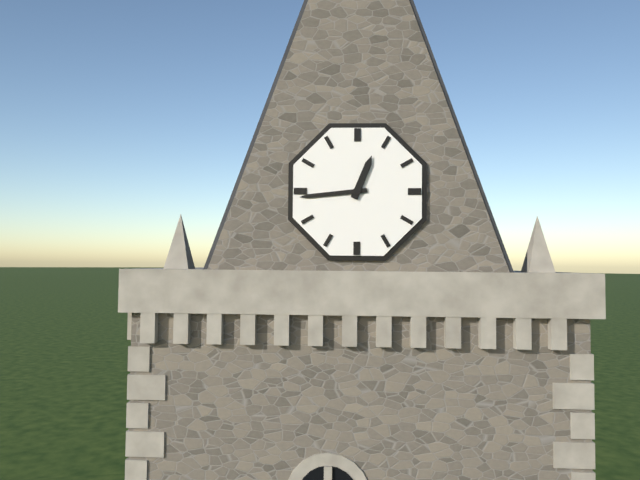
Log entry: 12:44
